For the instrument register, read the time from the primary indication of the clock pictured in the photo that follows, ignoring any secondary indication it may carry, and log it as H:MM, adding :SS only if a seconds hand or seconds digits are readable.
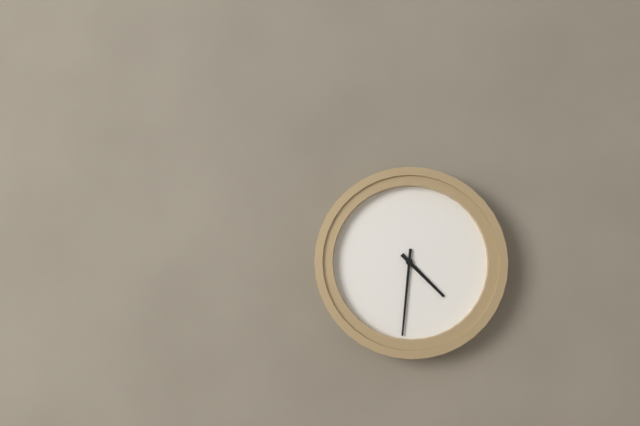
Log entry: 4:31
